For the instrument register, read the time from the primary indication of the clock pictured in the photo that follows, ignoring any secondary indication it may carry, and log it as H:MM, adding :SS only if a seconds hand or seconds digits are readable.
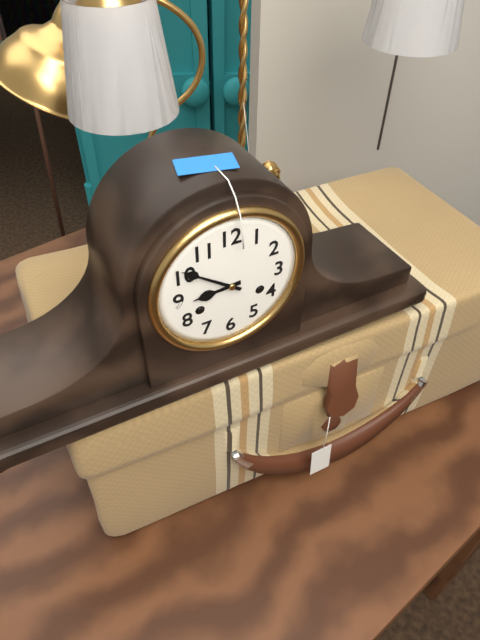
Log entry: 8:51
